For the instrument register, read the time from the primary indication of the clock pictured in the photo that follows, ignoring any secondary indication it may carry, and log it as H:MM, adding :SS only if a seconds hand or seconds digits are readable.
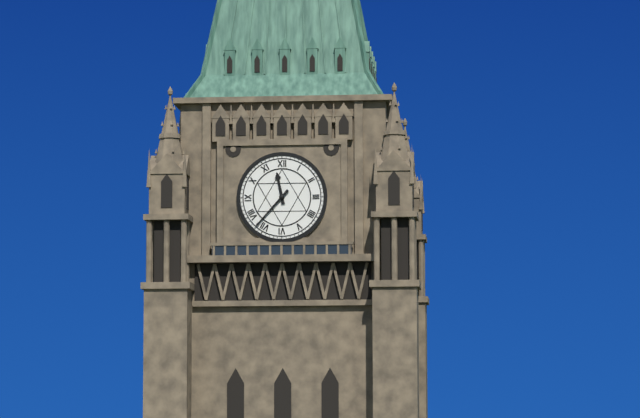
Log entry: 11:37
